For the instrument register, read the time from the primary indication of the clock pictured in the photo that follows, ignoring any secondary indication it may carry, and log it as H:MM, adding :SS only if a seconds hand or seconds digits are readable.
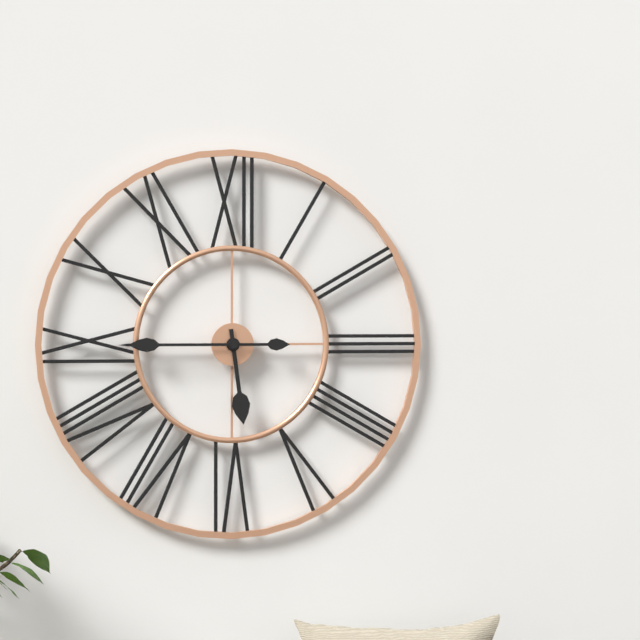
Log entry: 5:45
